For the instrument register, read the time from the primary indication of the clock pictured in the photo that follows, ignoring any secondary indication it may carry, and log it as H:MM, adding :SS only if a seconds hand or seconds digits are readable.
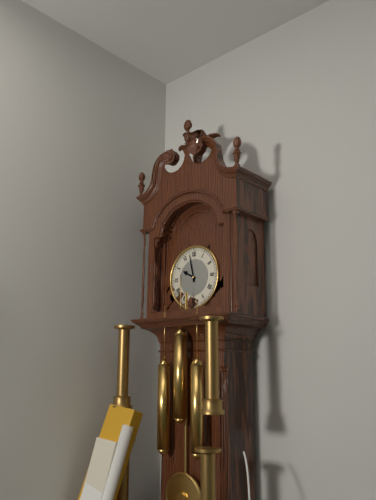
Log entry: 9:58
